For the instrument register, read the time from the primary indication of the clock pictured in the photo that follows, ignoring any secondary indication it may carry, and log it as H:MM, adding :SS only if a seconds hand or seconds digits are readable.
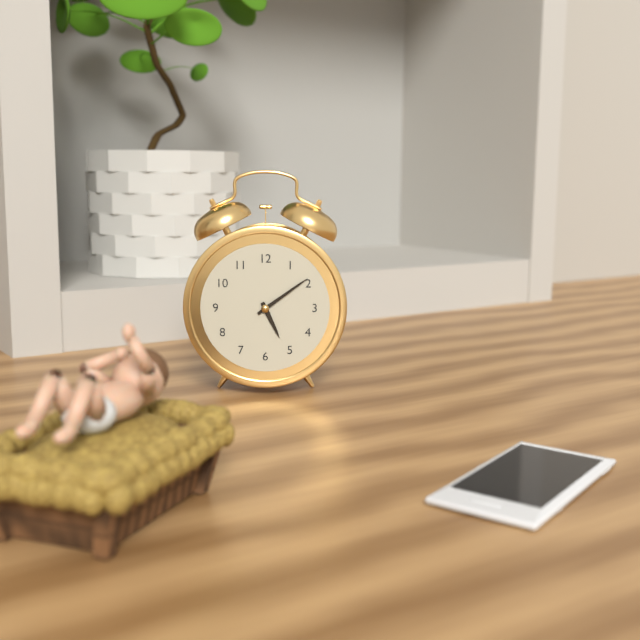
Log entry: 5:09
